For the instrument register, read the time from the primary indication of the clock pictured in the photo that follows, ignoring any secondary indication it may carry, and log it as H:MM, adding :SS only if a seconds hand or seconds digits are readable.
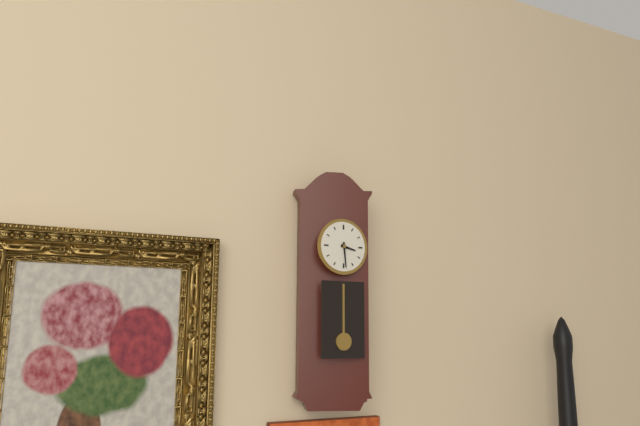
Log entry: 3:29
